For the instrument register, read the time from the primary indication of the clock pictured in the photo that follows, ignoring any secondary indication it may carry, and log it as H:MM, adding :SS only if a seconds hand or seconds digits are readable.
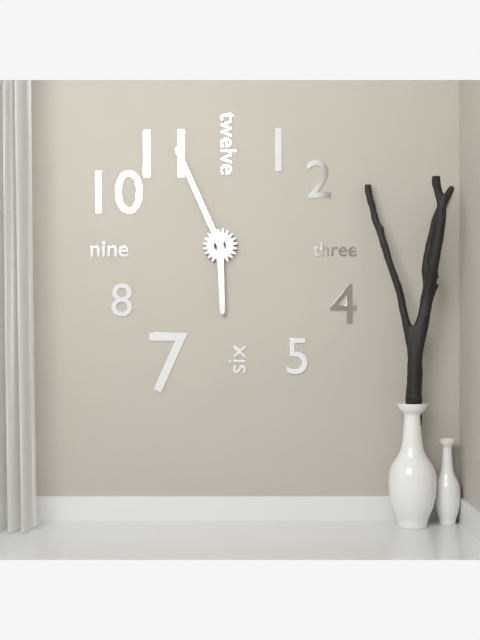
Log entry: 5:56
